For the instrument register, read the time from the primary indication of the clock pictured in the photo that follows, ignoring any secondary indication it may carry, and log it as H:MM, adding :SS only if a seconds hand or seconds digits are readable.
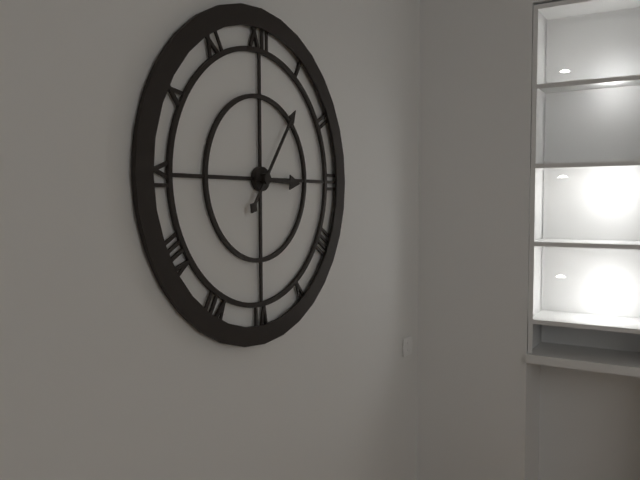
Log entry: 3:06
